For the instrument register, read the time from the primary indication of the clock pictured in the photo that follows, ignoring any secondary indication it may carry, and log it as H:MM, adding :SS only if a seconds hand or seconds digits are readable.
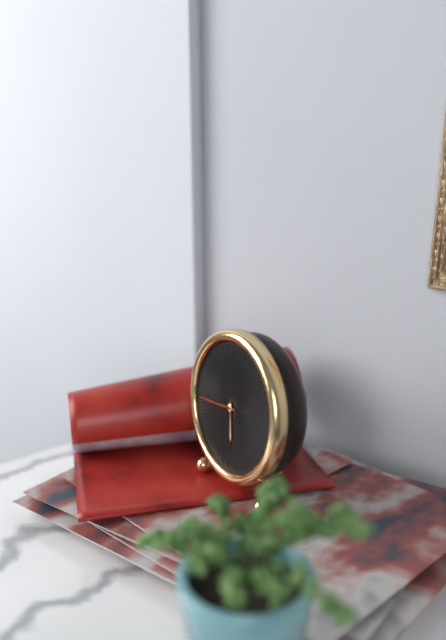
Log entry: 5:44
